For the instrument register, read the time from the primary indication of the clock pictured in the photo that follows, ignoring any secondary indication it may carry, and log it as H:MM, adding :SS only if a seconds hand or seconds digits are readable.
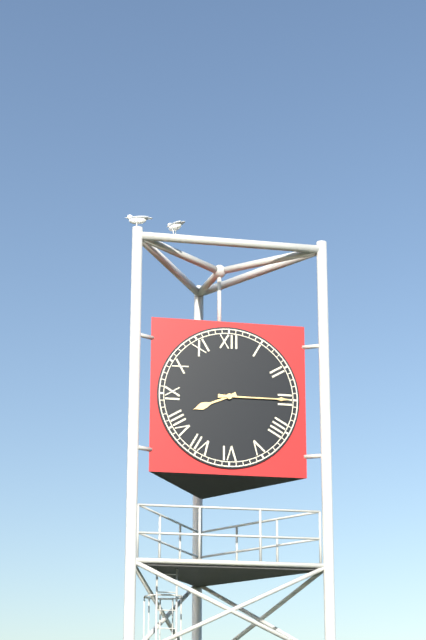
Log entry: 8:15
